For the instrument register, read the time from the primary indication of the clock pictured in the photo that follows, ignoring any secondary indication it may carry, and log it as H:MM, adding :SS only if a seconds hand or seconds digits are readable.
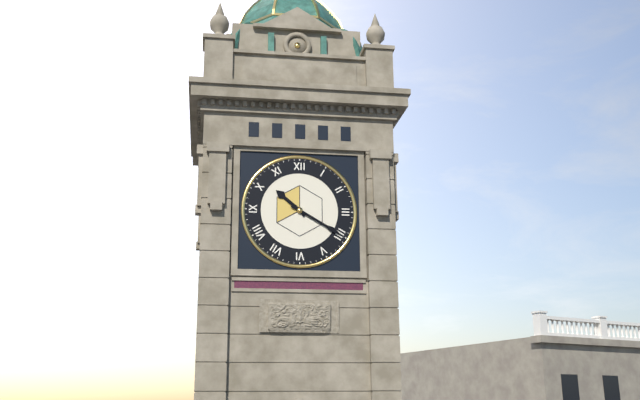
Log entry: 10:20
